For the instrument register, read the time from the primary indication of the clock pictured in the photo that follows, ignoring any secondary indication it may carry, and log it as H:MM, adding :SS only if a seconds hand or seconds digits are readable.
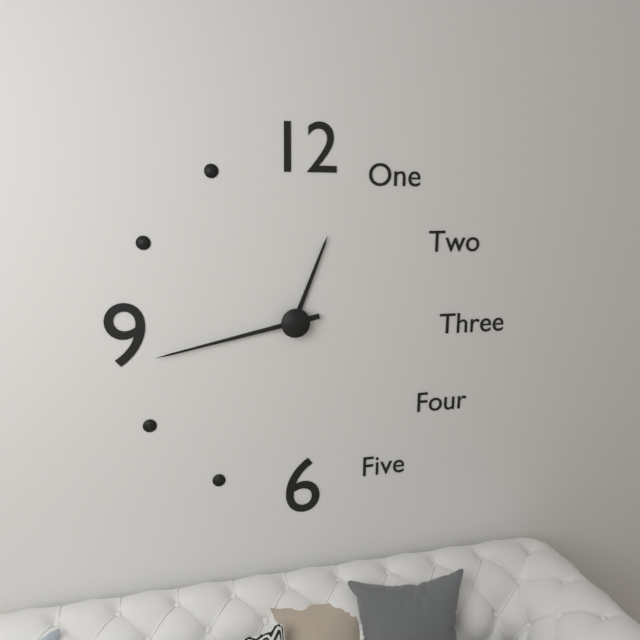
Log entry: 12:43
